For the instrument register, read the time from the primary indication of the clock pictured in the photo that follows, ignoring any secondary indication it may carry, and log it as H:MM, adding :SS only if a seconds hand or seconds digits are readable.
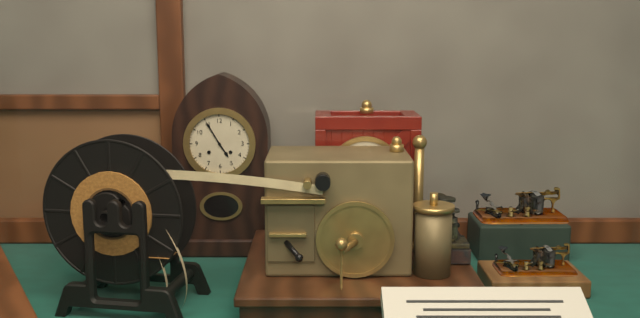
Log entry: 4:55
